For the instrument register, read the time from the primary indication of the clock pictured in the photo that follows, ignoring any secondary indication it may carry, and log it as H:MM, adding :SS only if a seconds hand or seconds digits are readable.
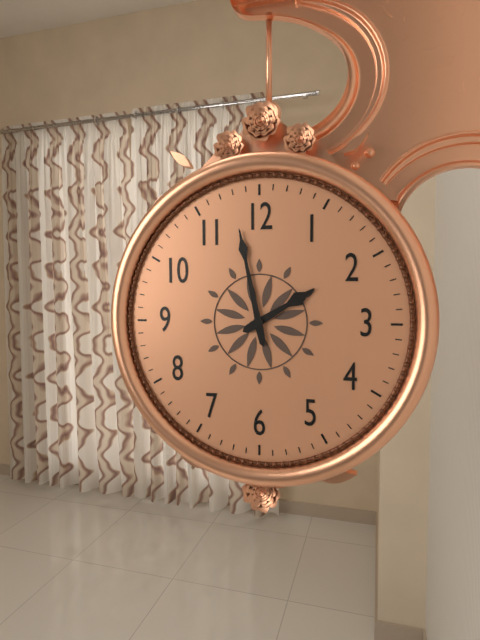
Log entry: 1:58
